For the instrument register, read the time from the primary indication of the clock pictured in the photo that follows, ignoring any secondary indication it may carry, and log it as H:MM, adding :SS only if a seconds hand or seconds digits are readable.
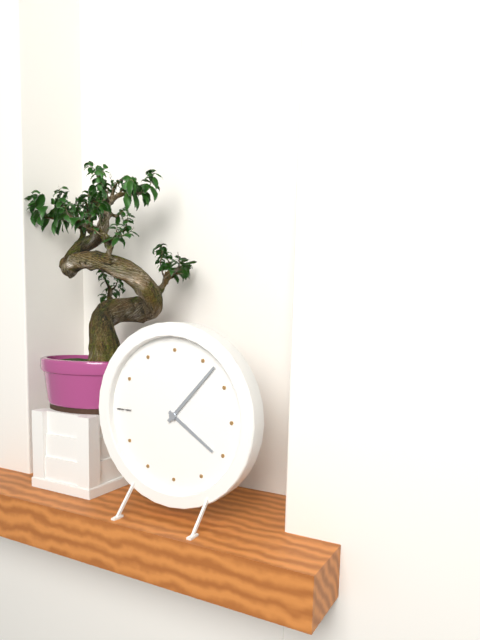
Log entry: 4:07
